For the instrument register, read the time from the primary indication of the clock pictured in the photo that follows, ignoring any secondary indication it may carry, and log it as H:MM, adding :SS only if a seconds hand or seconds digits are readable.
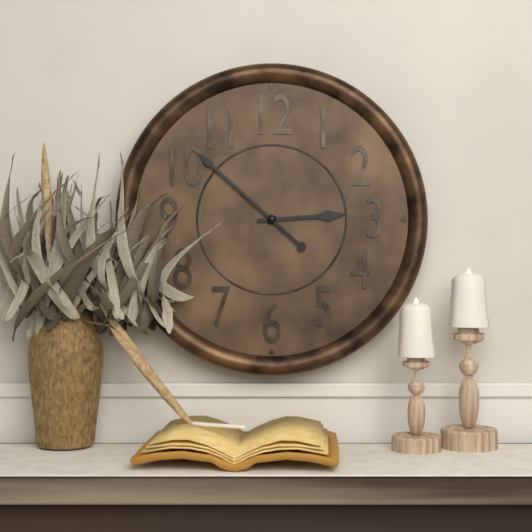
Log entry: 2:52
